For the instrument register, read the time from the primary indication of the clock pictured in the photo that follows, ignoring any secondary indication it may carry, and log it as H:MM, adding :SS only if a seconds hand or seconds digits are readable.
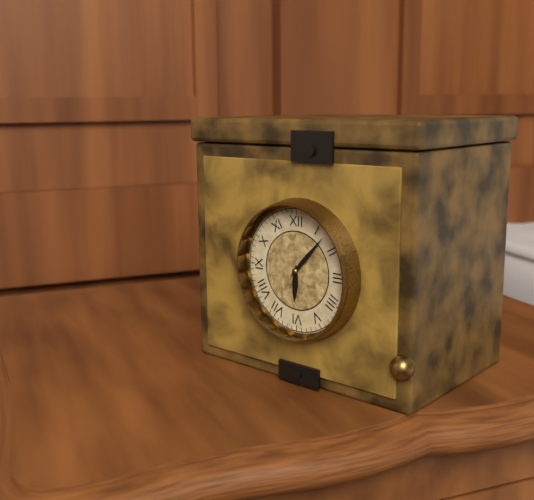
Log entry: 6:07
